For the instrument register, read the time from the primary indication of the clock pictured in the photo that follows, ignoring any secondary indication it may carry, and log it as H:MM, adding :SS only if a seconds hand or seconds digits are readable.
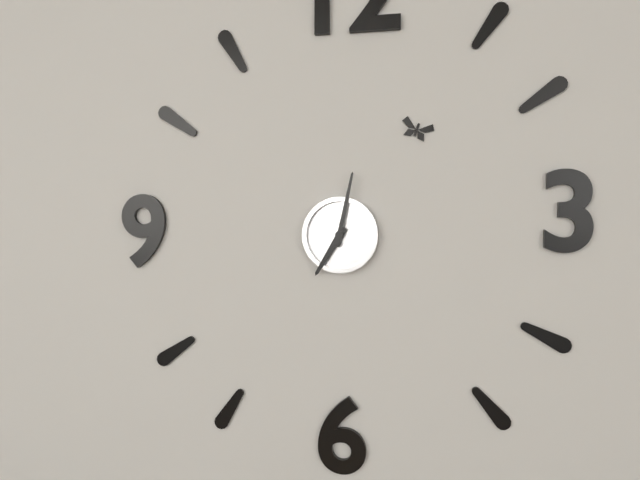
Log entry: 7:02
